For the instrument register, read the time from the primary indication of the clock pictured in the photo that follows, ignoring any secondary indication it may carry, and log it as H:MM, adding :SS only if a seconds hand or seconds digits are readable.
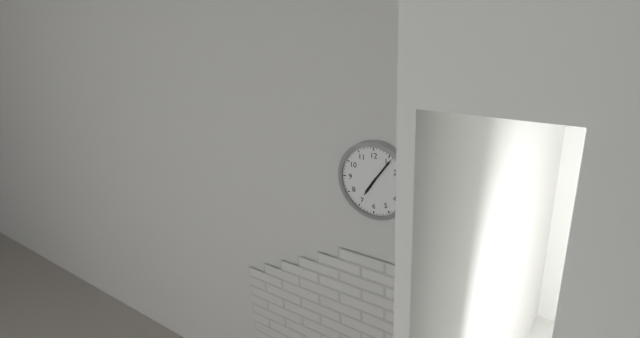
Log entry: 7:06
